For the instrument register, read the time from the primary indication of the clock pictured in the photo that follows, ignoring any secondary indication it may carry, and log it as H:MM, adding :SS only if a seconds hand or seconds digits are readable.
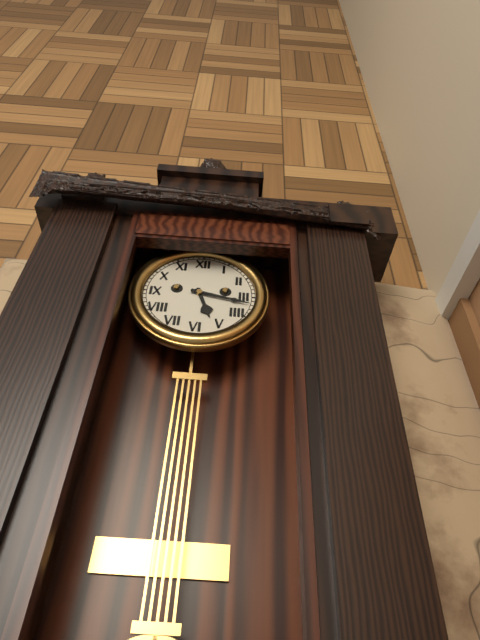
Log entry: 5:17
